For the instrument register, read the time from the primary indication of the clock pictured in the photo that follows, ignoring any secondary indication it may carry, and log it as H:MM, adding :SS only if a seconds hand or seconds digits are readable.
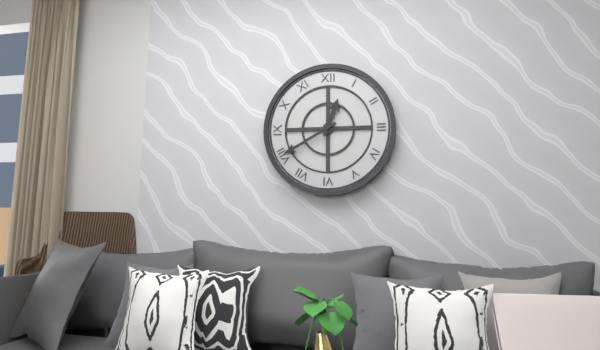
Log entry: 12:40
